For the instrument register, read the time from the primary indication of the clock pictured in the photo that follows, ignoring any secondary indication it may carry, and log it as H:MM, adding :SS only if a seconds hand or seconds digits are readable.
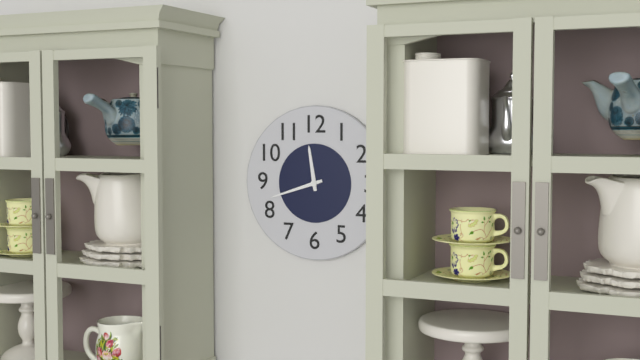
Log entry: 11:42
